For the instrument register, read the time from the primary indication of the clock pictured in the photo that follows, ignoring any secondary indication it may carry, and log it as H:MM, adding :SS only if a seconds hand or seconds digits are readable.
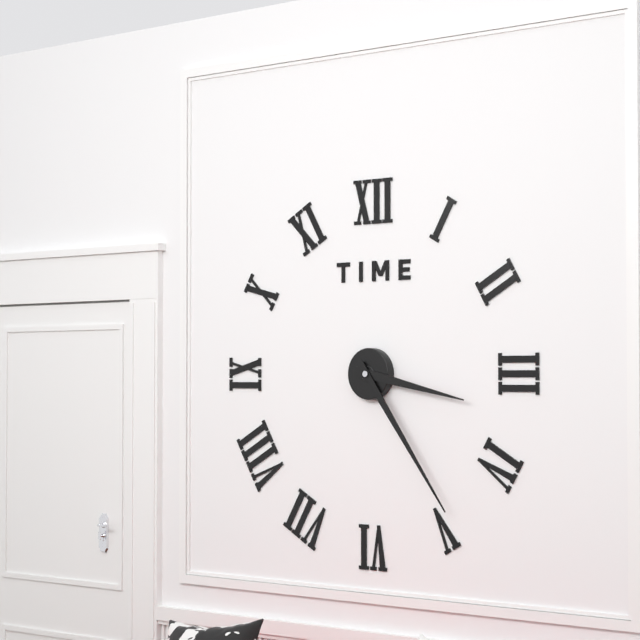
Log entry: 3:24
